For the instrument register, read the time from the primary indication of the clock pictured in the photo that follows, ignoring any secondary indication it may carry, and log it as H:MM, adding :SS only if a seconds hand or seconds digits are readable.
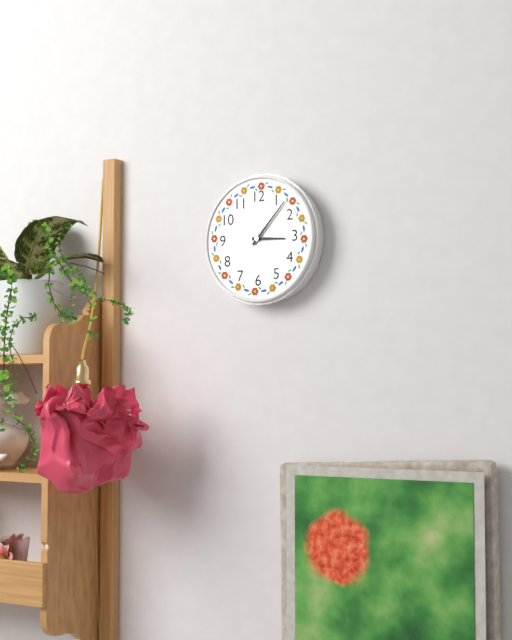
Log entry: 3:07
